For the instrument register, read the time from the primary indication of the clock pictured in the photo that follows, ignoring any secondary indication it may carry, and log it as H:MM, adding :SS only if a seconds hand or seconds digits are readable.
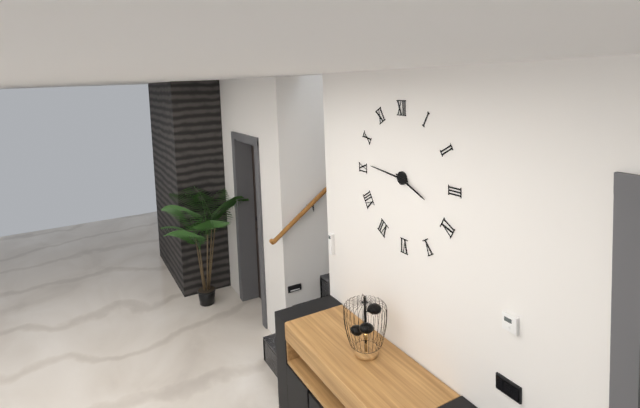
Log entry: 3:46
